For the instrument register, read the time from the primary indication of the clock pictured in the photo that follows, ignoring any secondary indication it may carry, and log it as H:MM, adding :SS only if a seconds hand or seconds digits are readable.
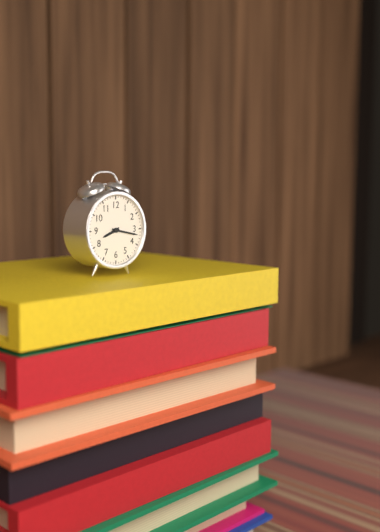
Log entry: 8:17
